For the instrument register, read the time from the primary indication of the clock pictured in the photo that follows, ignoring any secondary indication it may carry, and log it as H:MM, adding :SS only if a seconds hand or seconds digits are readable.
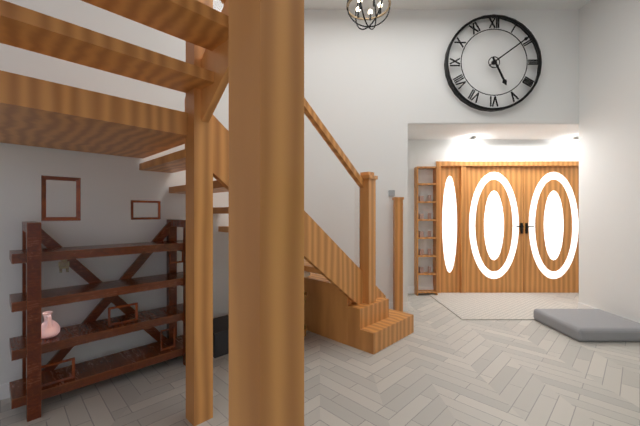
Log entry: 5:09
